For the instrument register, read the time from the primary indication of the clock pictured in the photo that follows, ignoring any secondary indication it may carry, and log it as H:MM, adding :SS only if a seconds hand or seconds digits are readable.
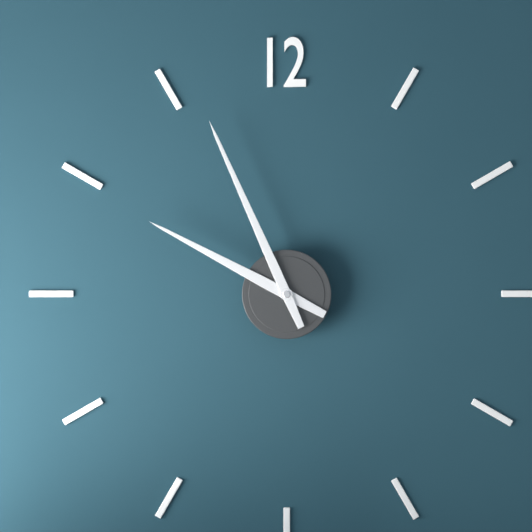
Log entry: 9:56
